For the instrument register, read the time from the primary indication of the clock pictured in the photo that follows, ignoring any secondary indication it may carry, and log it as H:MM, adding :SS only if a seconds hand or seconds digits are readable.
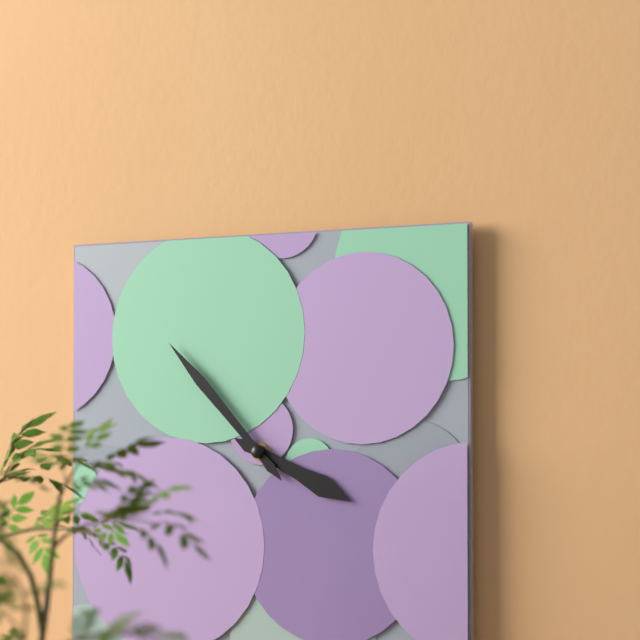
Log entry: 3:53
